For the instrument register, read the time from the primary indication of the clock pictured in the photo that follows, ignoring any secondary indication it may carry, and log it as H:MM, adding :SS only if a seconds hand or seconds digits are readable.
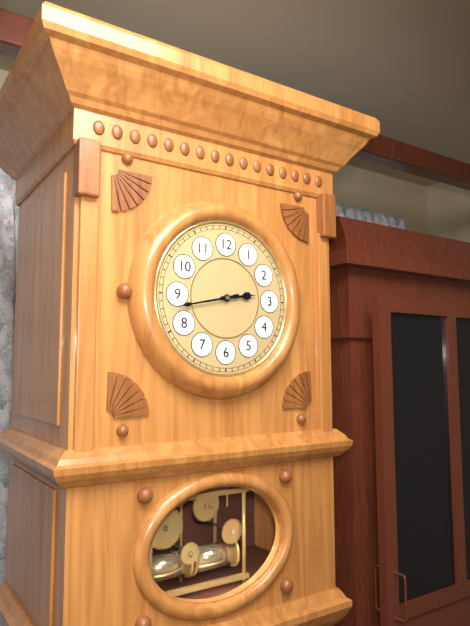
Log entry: 2:43
